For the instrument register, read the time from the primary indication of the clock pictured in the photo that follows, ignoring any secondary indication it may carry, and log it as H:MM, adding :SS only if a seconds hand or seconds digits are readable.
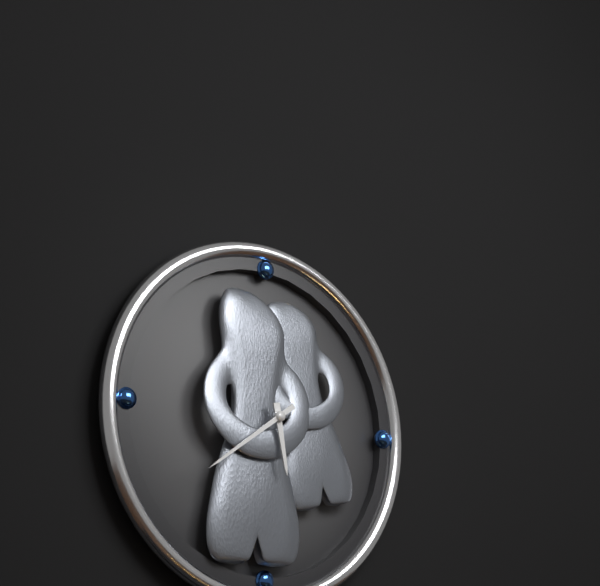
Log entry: 5:39
